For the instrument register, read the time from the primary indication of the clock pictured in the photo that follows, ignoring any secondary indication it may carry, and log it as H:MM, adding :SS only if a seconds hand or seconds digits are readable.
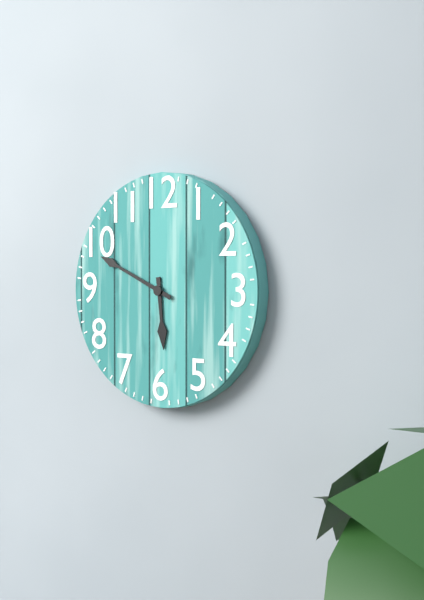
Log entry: 5:49
